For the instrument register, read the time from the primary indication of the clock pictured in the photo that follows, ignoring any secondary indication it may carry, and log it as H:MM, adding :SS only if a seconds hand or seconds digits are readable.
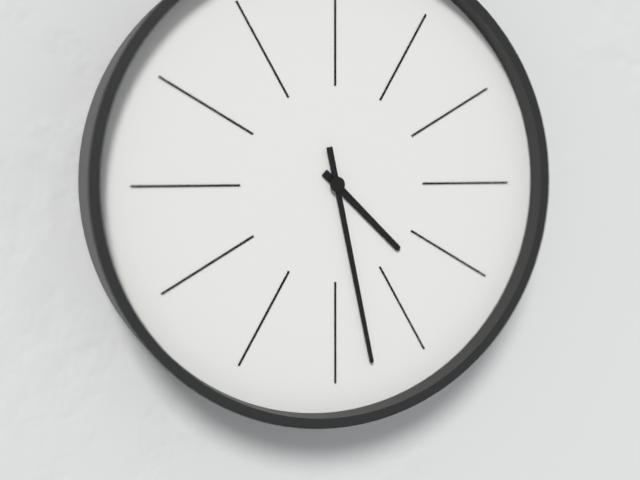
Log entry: 4:28
